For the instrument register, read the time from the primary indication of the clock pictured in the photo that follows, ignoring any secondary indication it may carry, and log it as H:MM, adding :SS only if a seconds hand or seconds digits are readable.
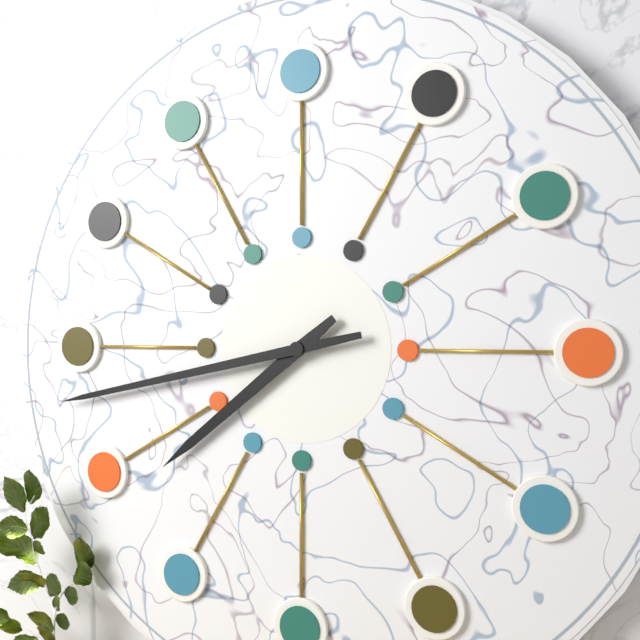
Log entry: 7:43
